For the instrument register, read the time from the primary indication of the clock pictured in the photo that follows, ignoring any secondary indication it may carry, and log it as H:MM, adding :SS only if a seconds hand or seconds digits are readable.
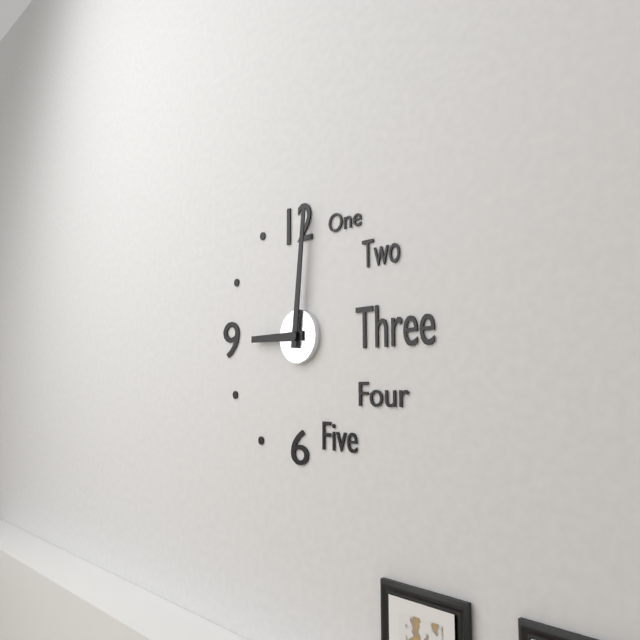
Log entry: 9:01
